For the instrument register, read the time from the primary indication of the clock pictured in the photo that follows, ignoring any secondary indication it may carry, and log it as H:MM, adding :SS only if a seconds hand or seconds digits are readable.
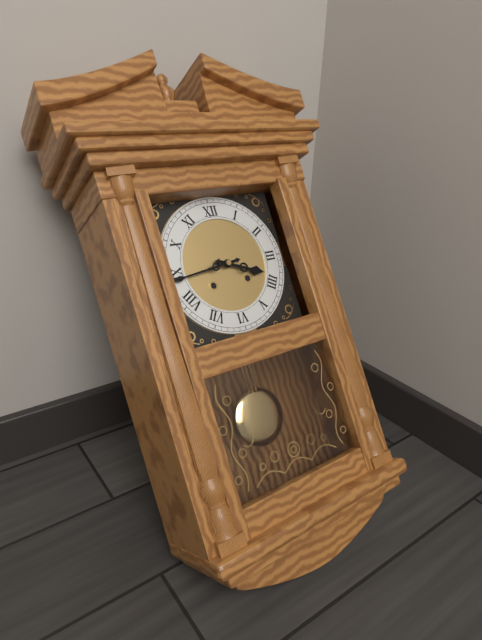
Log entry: 3:44
